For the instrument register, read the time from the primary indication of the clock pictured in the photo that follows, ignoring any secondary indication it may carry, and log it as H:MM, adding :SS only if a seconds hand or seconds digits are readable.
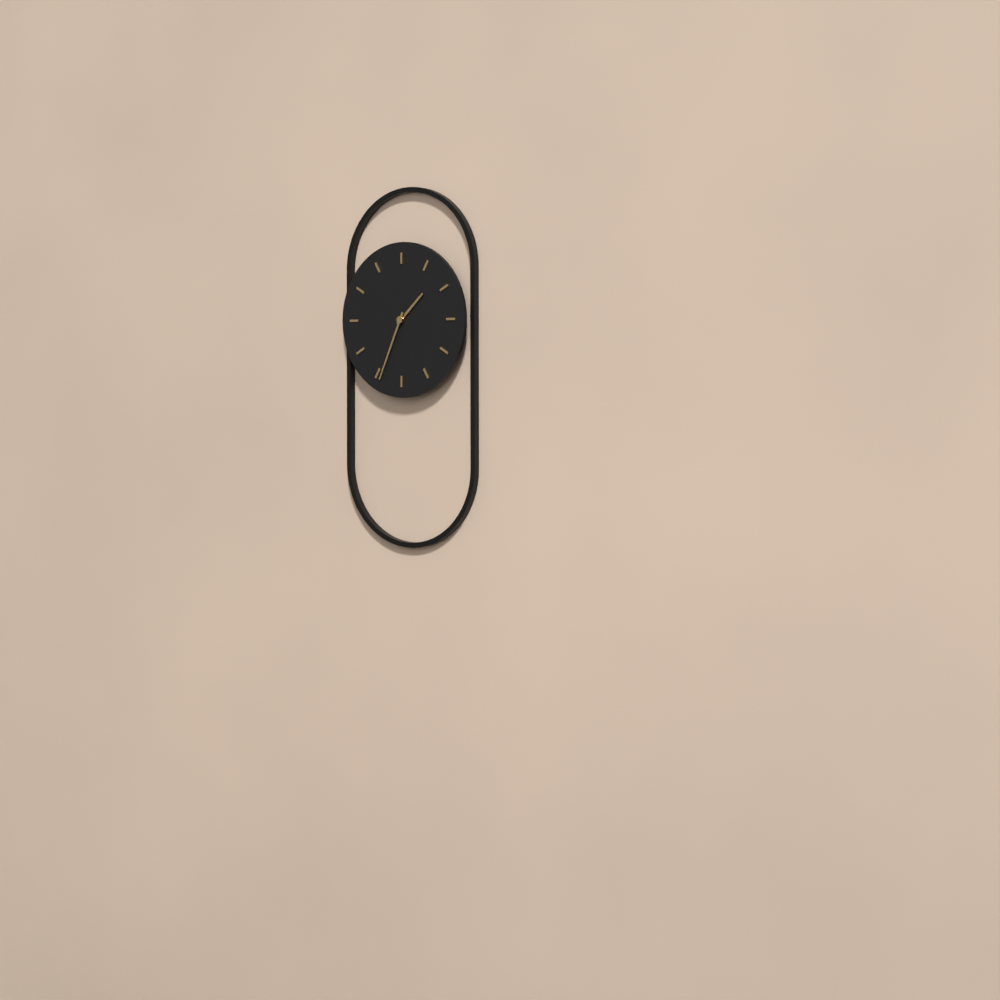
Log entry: 1:34
